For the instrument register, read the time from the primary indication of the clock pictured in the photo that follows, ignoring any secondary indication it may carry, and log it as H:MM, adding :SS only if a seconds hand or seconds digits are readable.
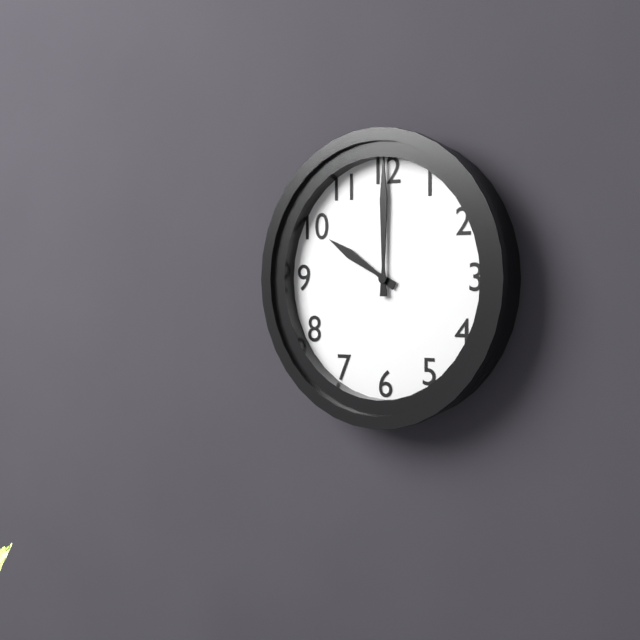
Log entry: 10:00
